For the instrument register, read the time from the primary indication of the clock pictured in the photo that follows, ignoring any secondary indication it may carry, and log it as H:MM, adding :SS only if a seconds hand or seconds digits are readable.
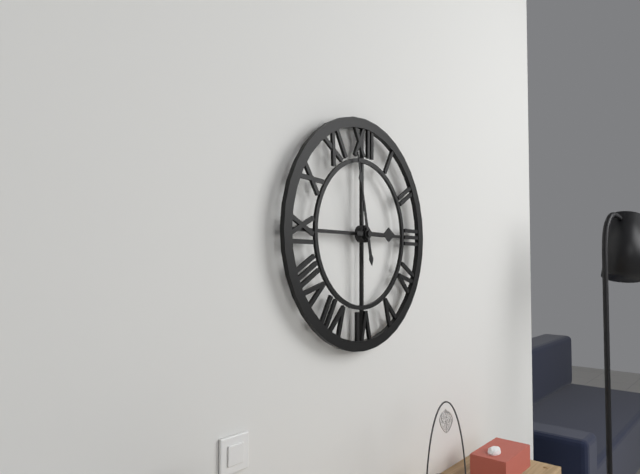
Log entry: 2:58
